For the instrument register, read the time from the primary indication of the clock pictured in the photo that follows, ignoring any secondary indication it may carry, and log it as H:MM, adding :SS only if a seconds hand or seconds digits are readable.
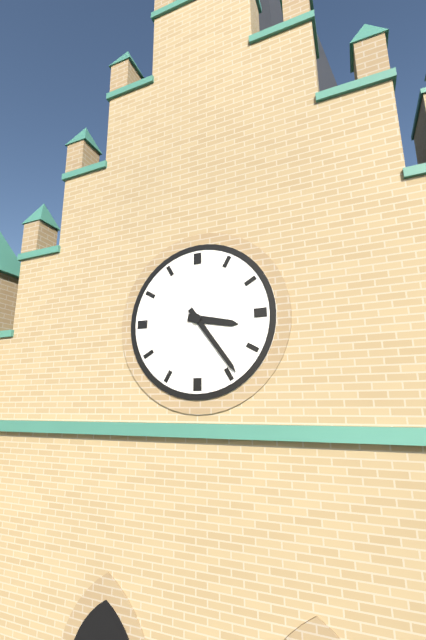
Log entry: 3:24
